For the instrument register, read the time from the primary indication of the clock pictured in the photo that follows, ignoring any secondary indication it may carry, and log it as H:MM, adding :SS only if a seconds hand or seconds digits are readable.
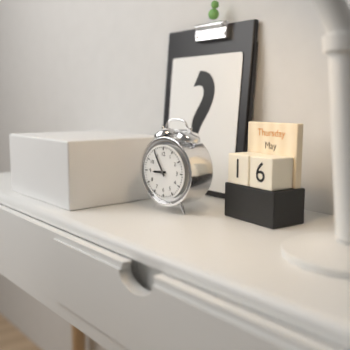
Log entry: 8:55
